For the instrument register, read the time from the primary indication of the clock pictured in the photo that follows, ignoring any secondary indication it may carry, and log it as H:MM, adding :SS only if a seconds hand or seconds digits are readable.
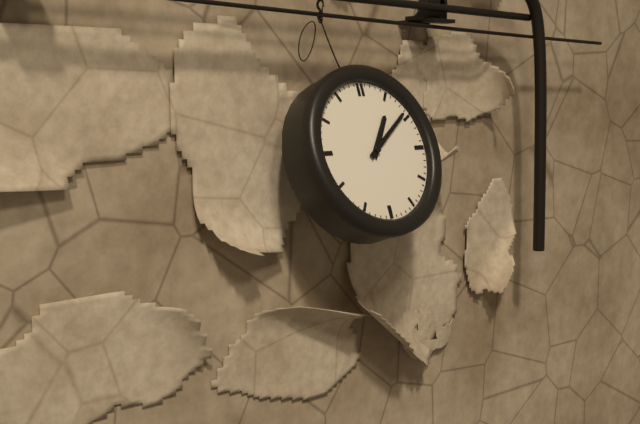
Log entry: 1:09
